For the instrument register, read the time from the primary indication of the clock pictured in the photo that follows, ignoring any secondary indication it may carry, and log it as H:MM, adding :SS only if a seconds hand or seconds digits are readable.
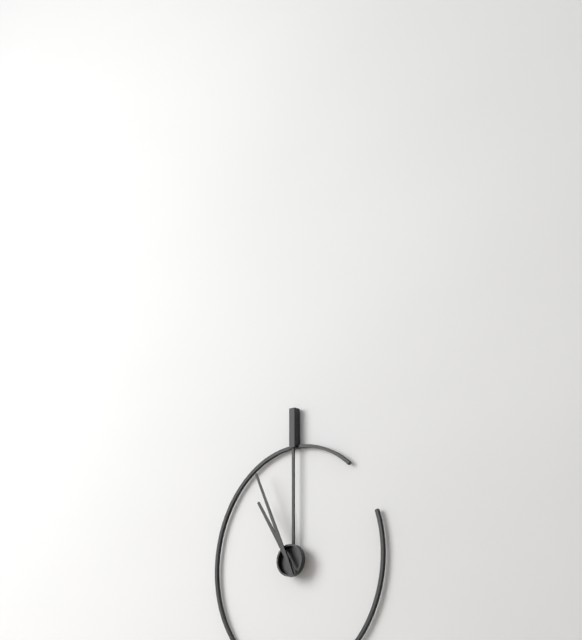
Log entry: 10:56
